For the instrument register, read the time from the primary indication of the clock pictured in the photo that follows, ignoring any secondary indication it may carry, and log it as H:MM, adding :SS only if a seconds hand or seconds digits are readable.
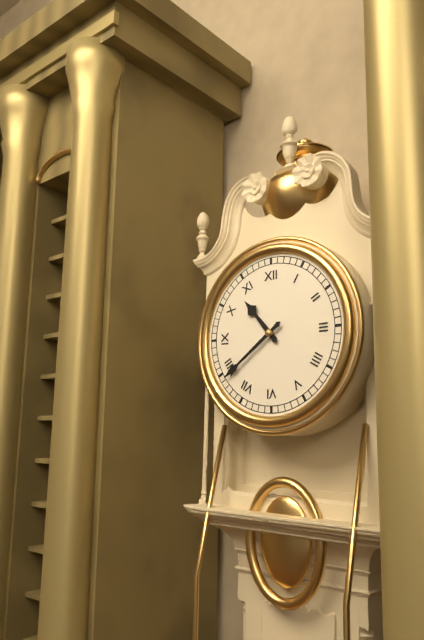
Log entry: 10:39
